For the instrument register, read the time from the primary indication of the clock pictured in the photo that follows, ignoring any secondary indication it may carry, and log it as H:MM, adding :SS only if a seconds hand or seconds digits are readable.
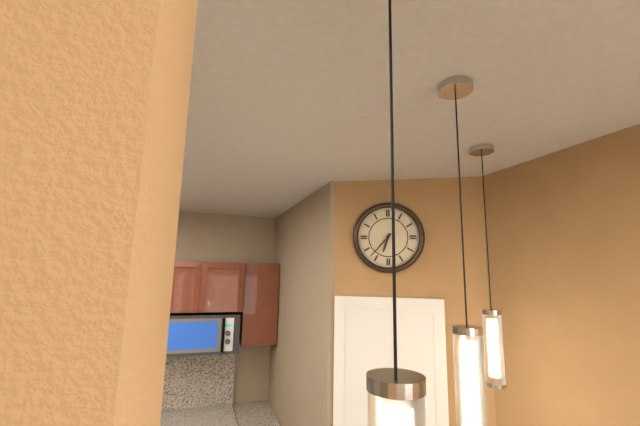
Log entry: 6:37
